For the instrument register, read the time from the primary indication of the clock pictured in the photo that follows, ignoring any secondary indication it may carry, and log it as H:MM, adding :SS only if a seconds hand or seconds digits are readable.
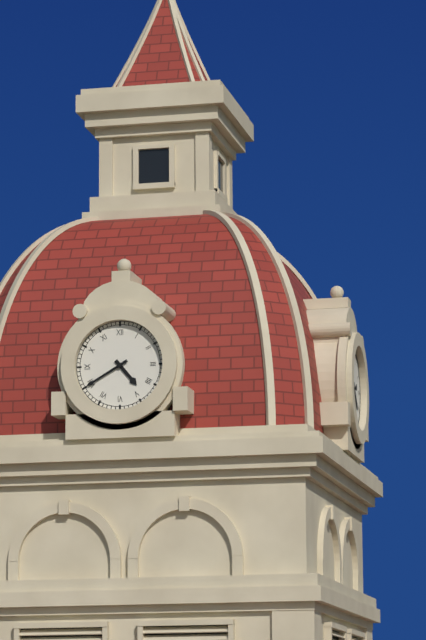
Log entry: 4:40
